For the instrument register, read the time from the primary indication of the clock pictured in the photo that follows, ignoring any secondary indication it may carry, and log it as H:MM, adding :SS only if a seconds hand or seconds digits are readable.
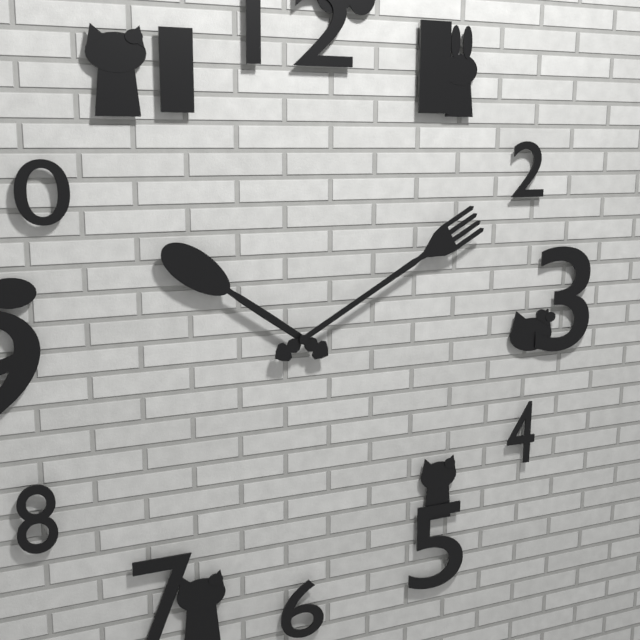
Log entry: 10:10
